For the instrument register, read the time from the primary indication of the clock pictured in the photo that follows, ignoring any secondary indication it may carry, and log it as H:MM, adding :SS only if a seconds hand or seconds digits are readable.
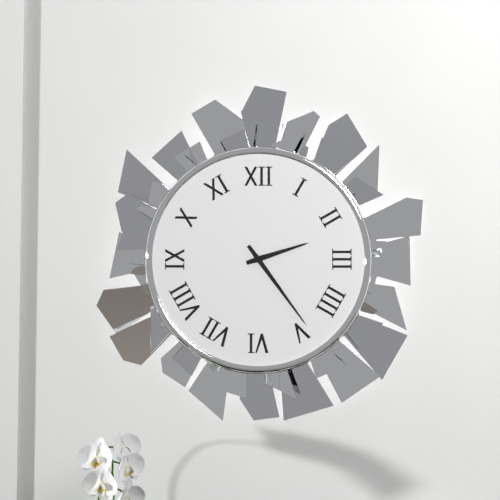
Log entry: 2:24
